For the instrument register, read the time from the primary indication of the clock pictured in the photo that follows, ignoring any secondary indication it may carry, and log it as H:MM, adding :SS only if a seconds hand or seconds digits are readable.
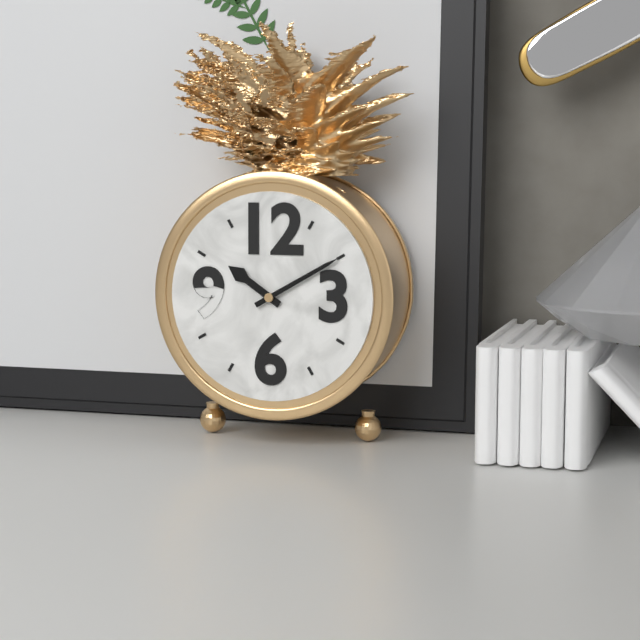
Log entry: 10:10
